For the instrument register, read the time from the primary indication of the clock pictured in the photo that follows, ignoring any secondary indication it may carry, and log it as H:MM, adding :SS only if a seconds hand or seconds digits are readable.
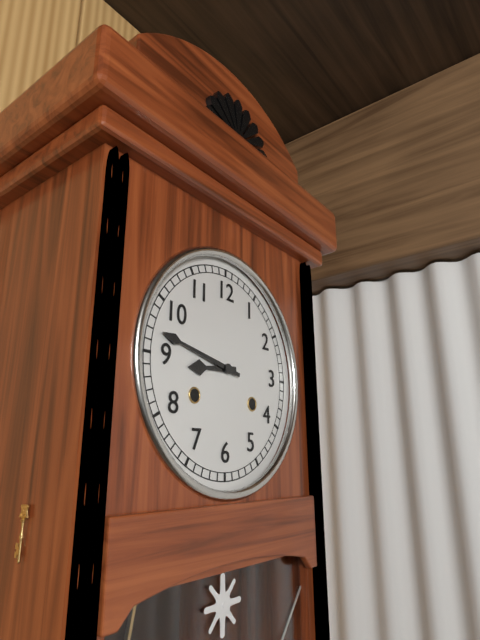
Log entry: 8:47
